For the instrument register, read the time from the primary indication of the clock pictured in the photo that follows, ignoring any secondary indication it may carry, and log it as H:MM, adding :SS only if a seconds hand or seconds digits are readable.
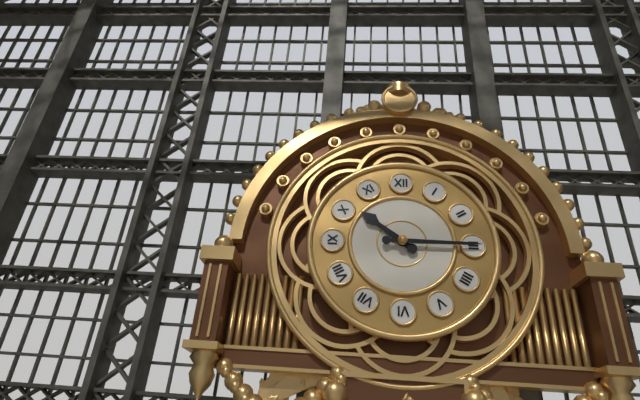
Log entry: 10:15
